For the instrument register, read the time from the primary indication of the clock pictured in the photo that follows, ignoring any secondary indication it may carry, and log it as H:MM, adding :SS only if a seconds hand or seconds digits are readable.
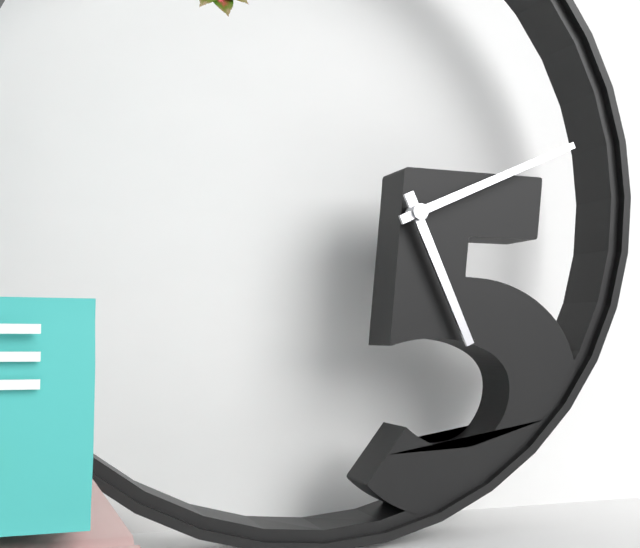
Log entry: 5:11
